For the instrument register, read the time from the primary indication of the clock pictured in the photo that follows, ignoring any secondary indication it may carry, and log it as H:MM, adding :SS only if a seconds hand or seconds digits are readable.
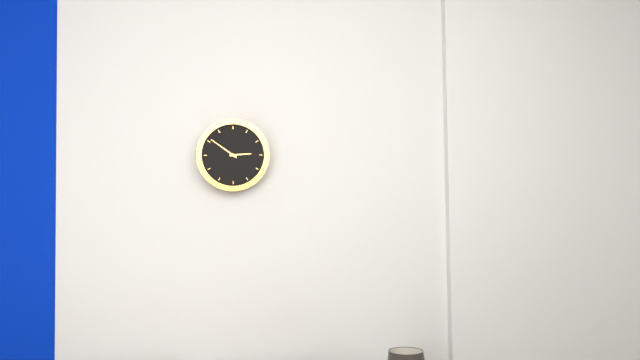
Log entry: 2:51
